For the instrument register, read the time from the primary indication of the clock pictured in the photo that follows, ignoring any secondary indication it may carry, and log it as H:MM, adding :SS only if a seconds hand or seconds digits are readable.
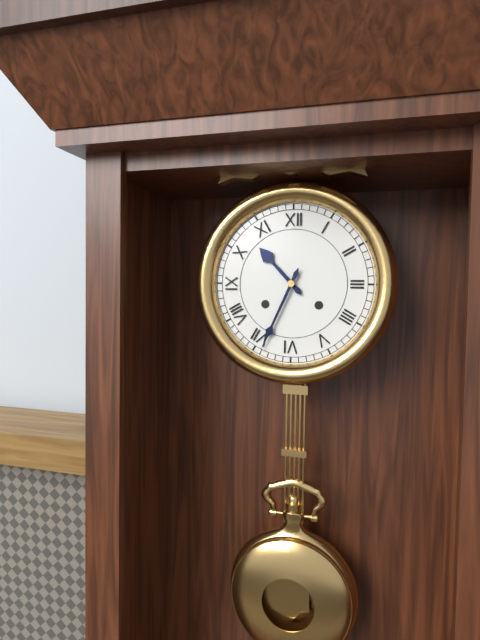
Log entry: 10:34
